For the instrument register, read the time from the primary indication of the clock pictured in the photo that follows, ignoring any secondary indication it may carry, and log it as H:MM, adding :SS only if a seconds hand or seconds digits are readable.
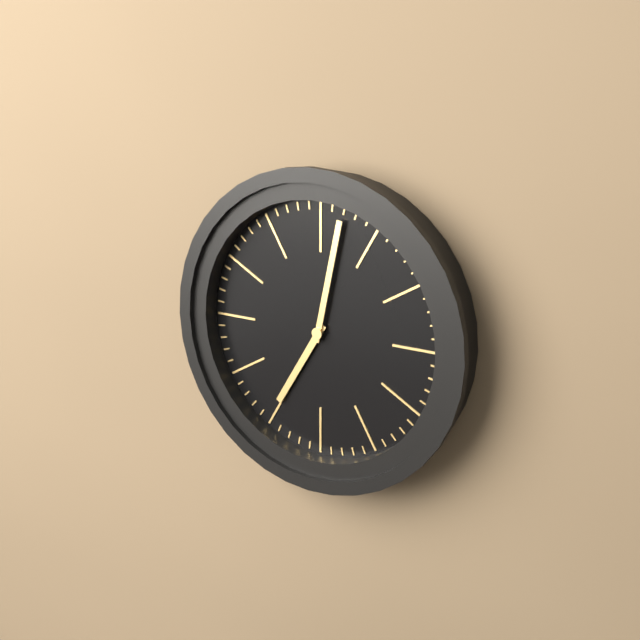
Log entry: 7:02
